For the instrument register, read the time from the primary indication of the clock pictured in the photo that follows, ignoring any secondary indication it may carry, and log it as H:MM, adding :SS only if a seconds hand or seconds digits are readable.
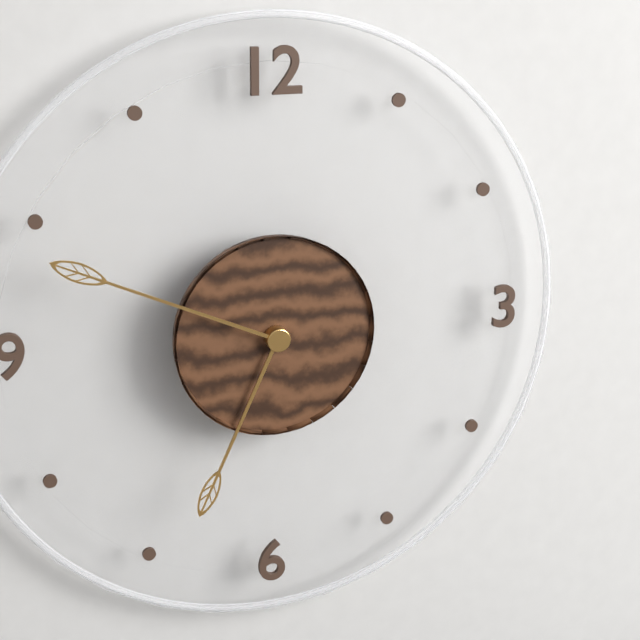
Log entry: 6:49
